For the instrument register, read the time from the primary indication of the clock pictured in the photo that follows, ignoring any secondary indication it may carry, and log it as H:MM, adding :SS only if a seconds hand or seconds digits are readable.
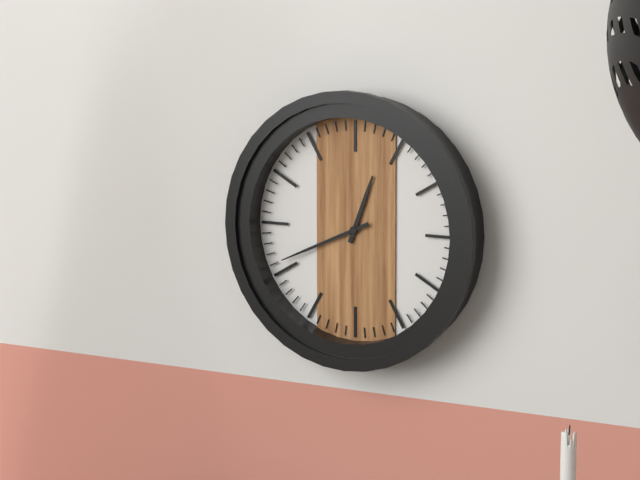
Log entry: 12:41
